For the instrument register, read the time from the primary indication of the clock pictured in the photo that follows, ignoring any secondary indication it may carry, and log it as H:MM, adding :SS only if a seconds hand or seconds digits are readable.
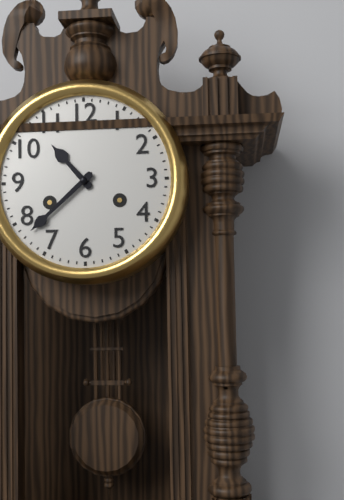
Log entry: 10:38
